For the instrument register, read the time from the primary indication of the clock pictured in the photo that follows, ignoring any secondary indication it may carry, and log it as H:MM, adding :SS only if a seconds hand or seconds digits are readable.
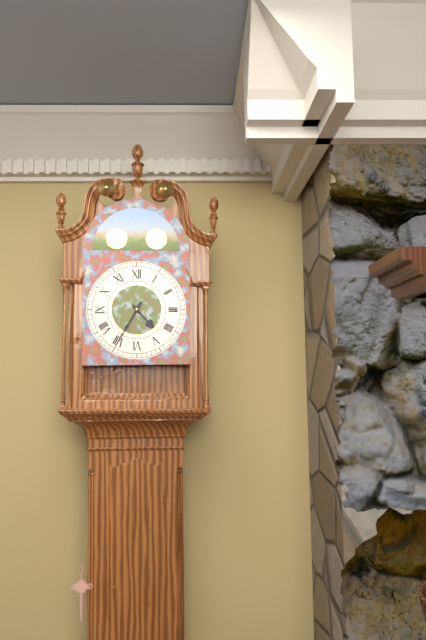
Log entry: 4:35
